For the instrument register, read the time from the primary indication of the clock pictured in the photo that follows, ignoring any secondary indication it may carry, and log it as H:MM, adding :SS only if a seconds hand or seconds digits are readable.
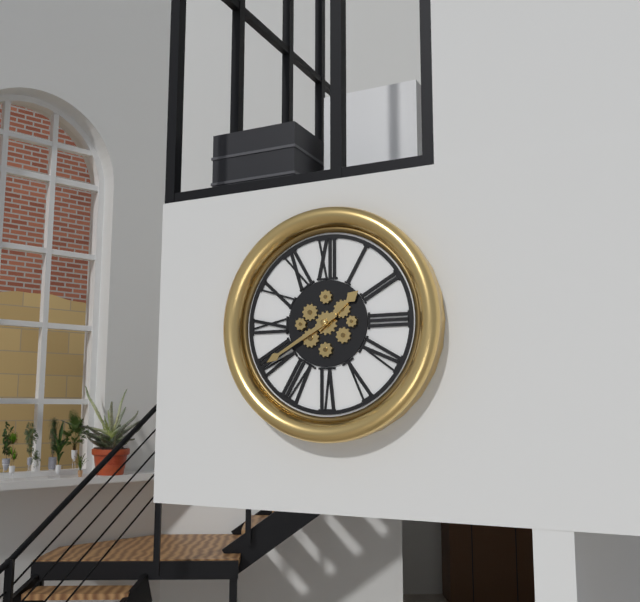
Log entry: 1:40
